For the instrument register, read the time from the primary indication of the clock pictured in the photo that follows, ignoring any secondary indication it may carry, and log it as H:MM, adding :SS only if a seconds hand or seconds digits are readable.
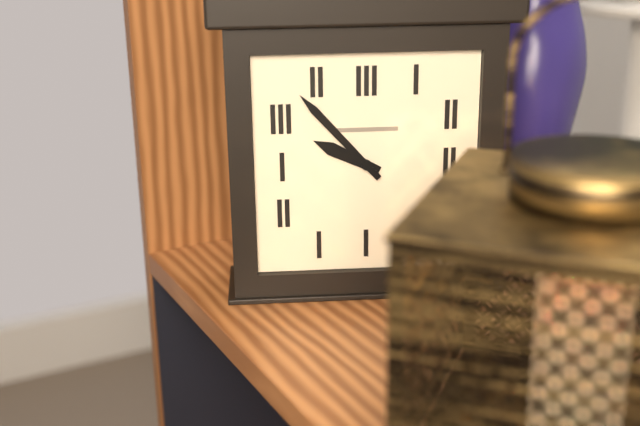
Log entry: 9:53
